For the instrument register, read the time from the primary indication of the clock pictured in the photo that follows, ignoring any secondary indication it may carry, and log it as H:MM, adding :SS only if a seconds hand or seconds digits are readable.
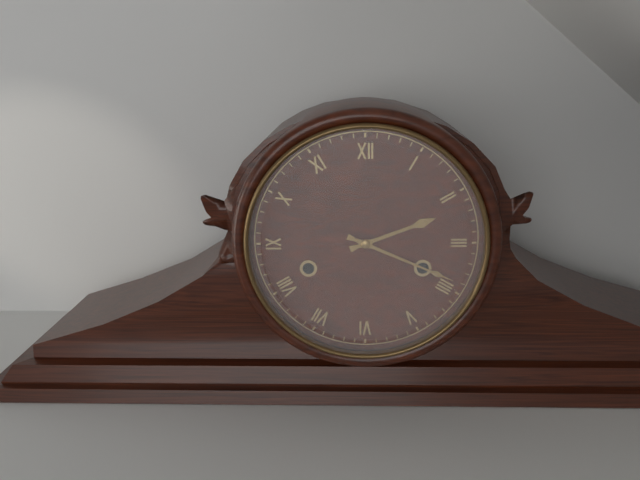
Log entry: 2:19
